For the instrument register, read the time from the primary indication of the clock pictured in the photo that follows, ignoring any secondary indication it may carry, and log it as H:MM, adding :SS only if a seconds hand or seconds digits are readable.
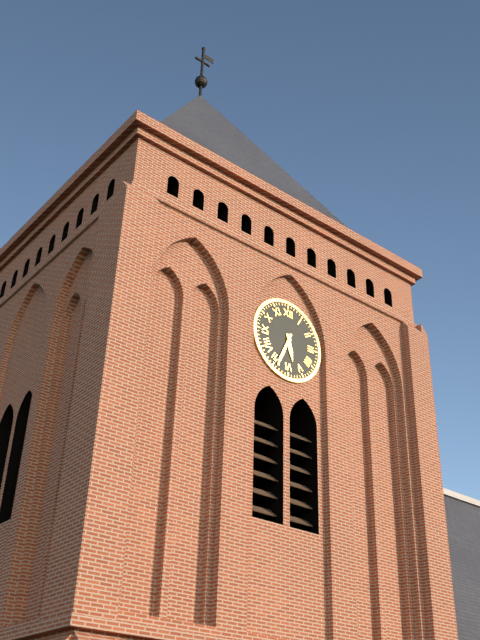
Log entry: 5:34
